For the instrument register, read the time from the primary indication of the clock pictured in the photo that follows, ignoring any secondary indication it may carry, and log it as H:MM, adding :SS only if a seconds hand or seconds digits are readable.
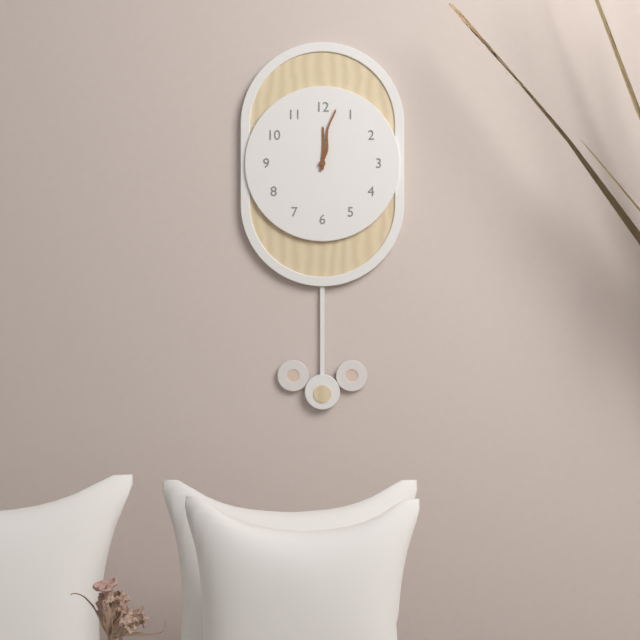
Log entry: 12:02
